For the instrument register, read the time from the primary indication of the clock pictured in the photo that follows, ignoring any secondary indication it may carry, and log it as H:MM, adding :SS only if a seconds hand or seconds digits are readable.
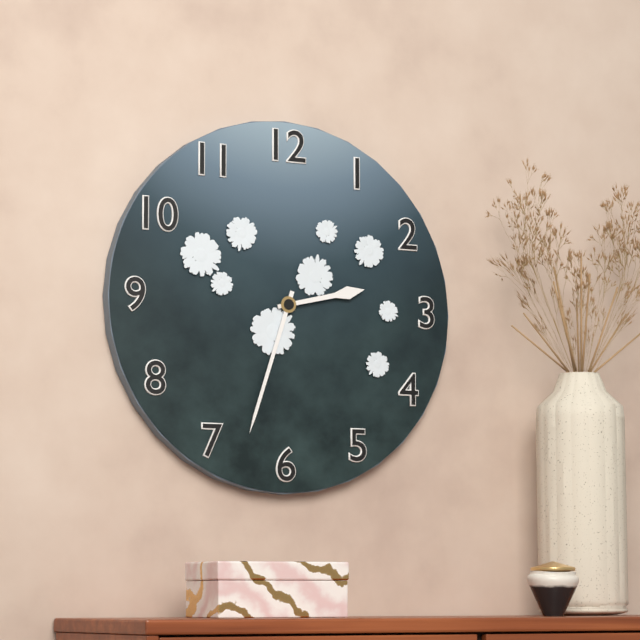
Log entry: 2:33
